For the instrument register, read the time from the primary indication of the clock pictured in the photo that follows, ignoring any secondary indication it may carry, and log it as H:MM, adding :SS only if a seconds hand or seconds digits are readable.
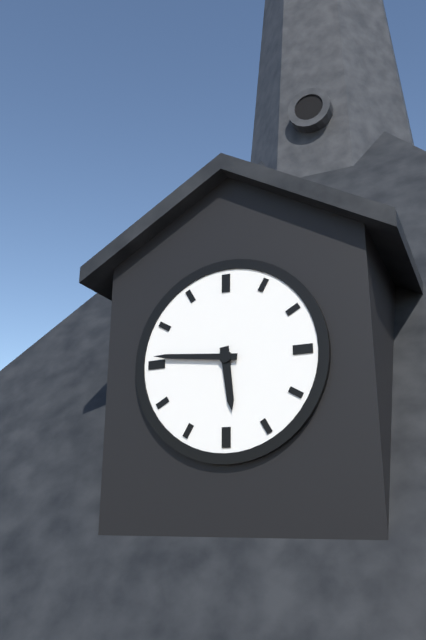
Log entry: 5:46
